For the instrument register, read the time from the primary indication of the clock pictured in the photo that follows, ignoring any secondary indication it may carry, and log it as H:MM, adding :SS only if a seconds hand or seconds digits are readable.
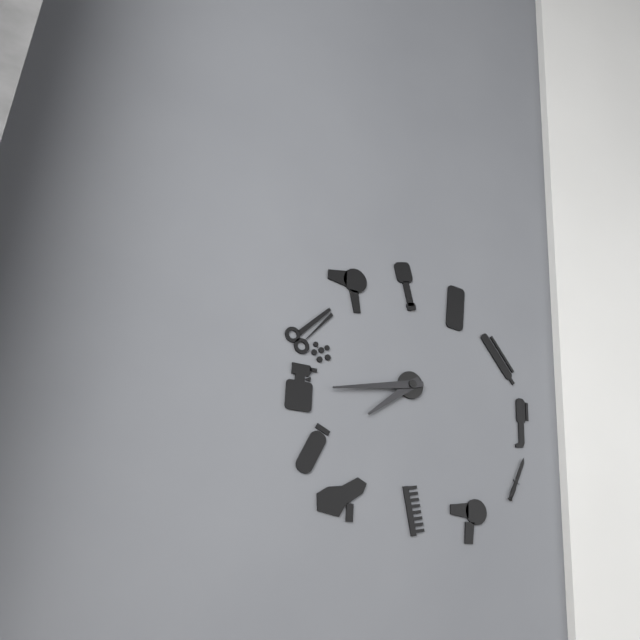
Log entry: 7:43
